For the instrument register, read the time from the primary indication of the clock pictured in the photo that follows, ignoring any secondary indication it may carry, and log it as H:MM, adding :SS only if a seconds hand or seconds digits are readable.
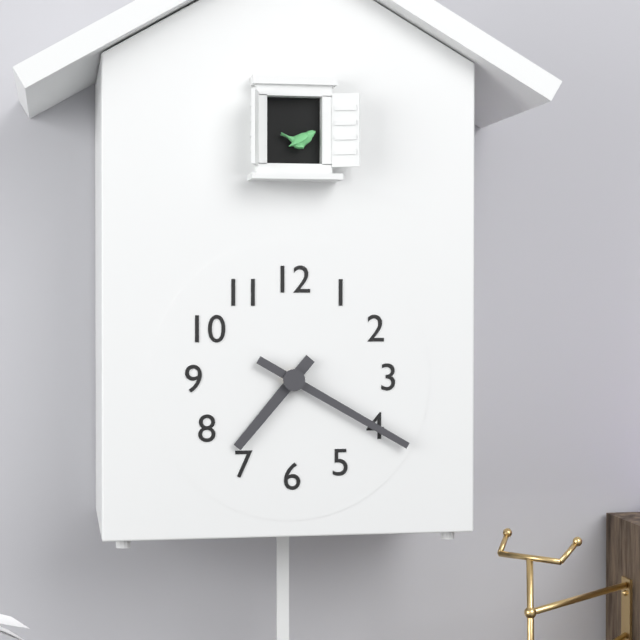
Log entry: 7:20
